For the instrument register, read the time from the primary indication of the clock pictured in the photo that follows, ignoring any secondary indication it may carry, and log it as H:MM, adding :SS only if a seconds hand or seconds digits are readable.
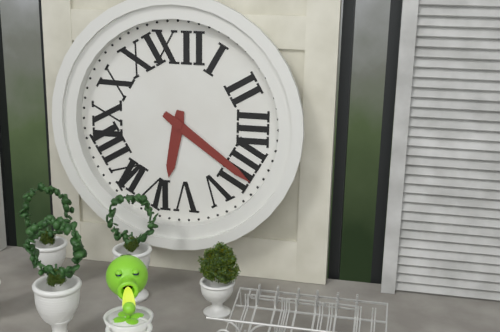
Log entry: 6:21
